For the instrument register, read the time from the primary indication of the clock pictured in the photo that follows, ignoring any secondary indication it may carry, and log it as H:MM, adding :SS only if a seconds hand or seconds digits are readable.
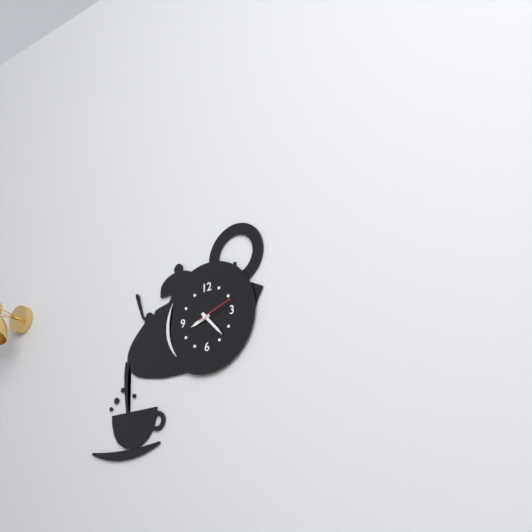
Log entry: 8:23
